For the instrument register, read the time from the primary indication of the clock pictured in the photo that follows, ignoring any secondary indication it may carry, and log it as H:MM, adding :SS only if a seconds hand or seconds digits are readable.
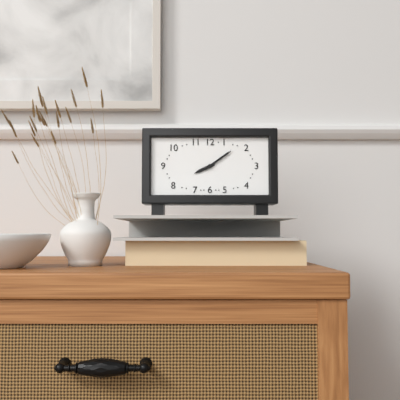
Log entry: 8:09
